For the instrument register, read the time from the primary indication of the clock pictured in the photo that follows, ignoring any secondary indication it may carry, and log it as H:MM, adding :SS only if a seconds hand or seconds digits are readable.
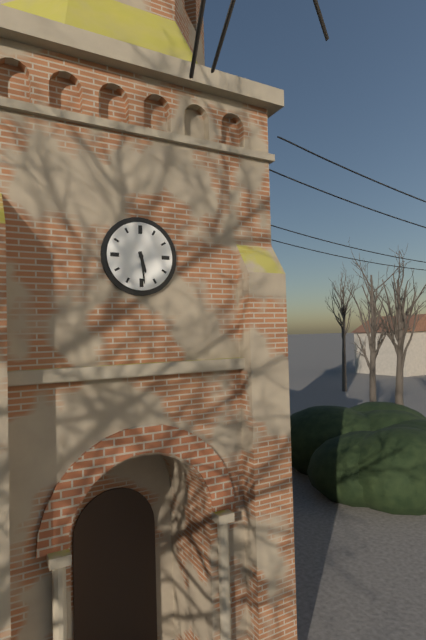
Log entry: 5:29
